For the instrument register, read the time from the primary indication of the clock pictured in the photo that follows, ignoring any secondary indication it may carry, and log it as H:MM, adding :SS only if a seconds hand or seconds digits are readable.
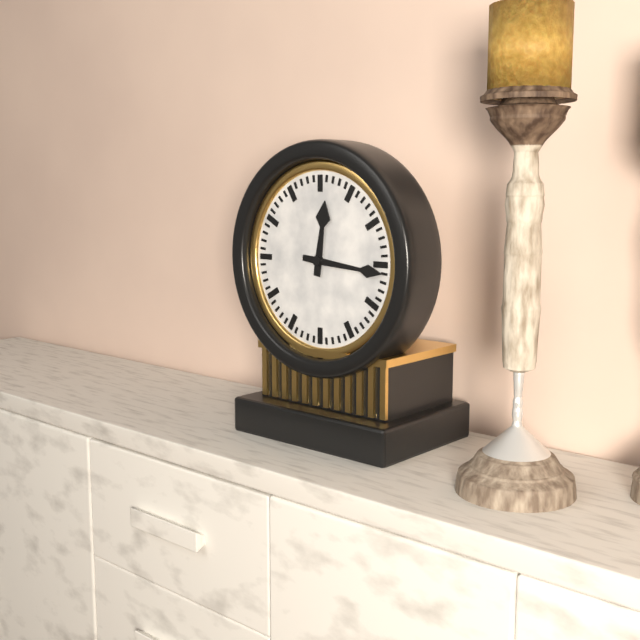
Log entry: 12:16
